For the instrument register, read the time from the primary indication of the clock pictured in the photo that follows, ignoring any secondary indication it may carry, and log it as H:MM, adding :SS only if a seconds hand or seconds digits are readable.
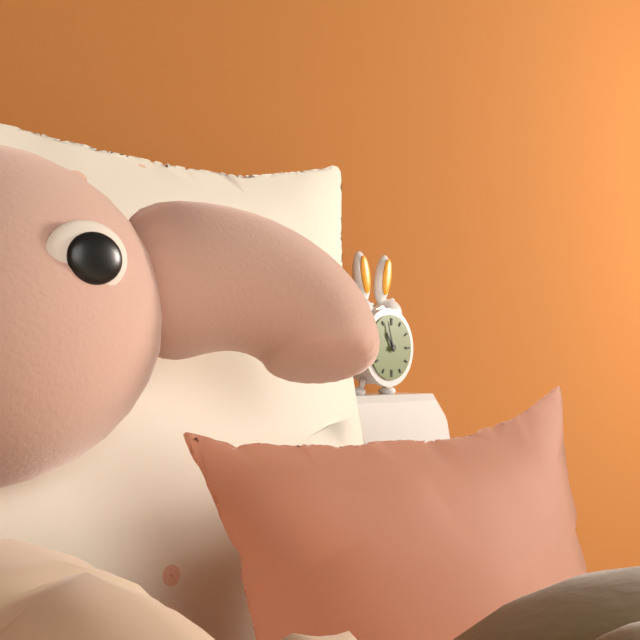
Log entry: 10:57
